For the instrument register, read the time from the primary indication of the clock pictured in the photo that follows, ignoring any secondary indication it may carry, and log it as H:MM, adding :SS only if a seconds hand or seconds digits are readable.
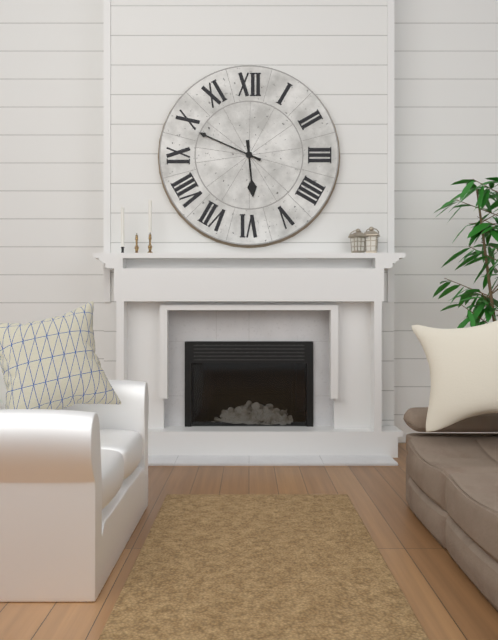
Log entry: 5:49
